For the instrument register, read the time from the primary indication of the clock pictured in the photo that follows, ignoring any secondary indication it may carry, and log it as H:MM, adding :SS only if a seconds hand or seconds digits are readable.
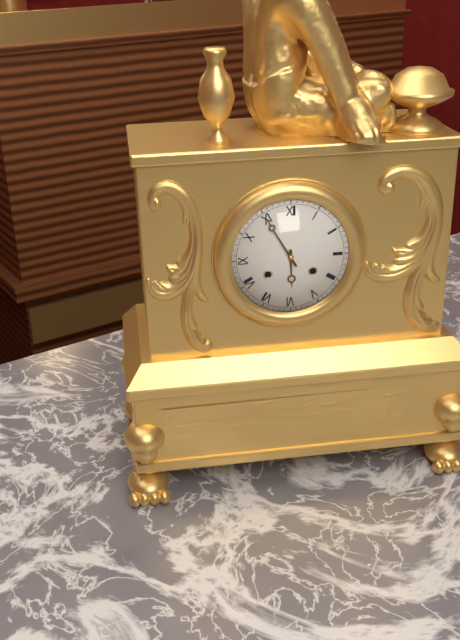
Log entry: 5:55
